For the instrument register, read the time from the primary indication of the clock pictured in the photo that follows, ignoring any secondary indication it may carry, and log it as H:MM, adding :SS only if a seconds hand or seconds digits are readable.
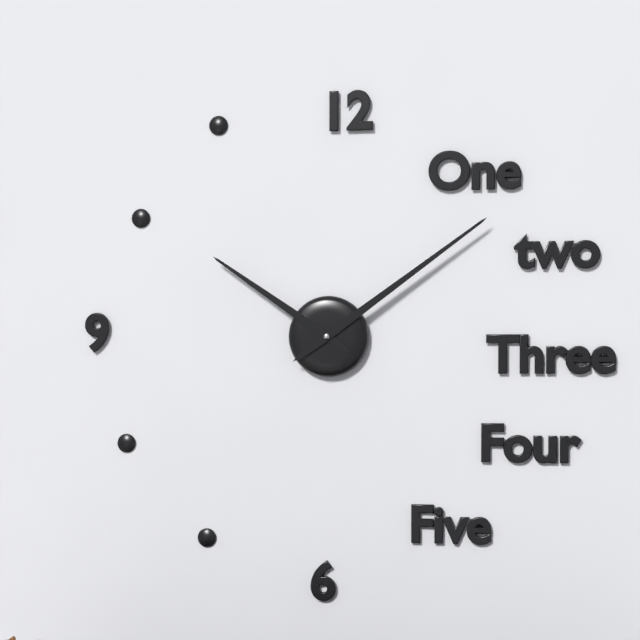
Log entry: 10:09
